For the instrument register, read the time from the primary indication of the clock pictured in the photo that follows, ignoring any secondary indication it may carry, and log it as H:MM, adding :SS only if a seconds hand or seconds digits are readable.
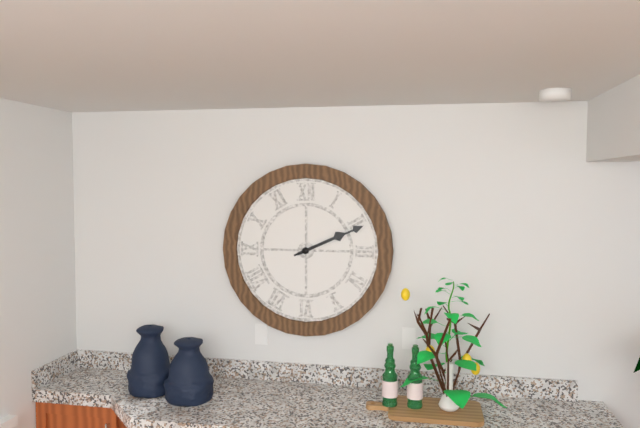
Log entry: 2:11
